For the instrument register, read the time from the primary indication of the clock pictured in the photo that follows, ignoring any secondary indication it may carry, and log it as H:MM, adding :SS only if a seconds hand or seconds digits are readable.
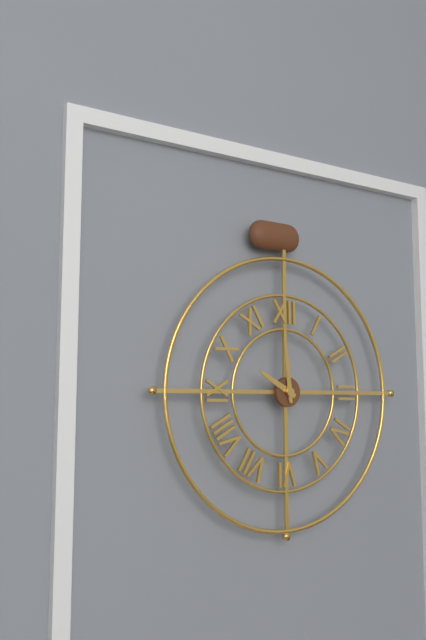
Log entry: 9:59
